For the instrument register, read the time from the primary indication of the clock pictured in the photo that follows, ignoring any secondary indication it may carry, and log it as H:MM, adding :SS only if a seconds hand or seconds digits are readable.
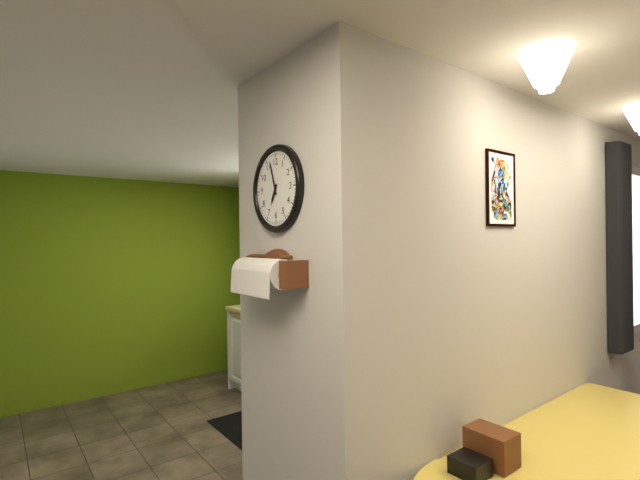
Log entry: 6:57
